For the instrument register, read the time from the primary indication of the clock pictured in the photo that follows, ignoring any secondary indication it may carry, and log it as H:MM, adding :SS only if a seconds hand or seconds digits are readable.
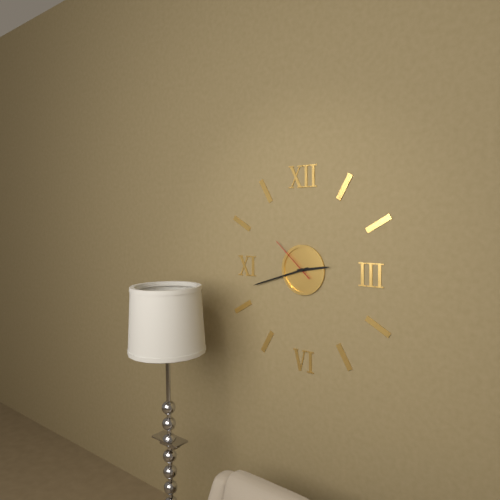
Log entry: 2:42
